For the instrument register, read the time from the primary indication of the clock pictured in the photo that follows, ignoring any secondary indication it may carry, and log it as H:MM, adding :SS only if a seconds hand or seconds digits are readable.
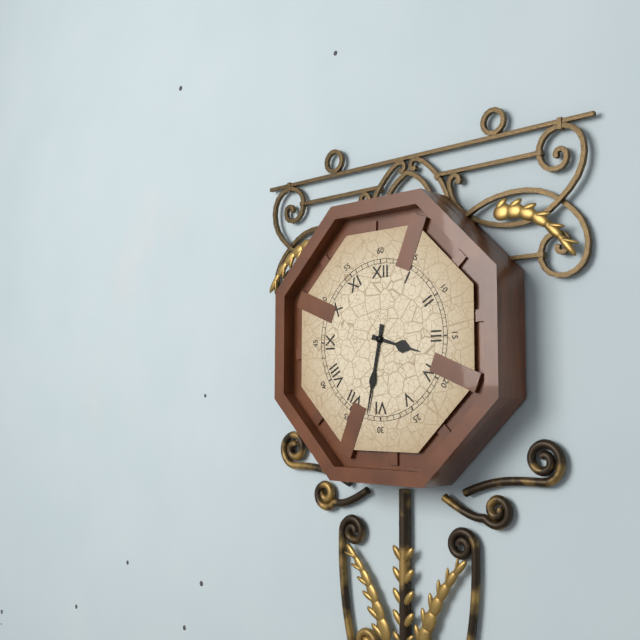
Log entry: 3:32
